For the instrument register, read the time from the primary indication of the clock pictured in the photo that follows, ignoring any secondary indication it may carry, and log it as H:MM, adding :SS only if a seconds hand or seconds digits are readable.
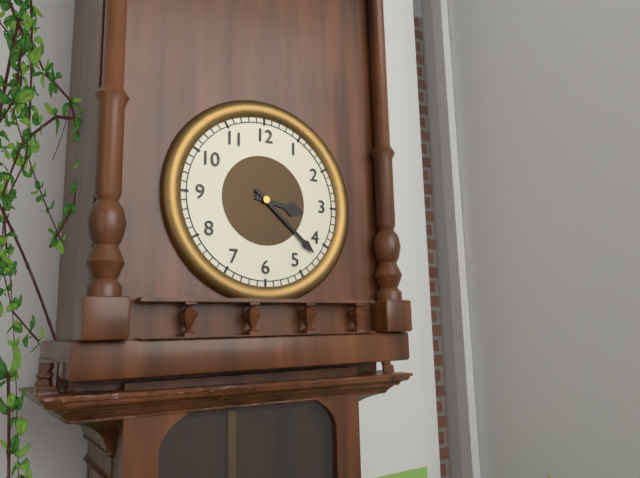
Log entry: 3:22
